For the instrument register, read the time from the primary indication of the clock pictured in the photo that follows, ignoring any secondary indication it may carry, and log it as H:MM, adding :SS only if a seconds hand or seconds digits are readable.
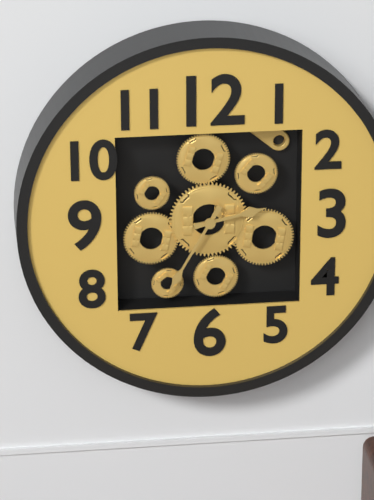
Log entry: 2:35
